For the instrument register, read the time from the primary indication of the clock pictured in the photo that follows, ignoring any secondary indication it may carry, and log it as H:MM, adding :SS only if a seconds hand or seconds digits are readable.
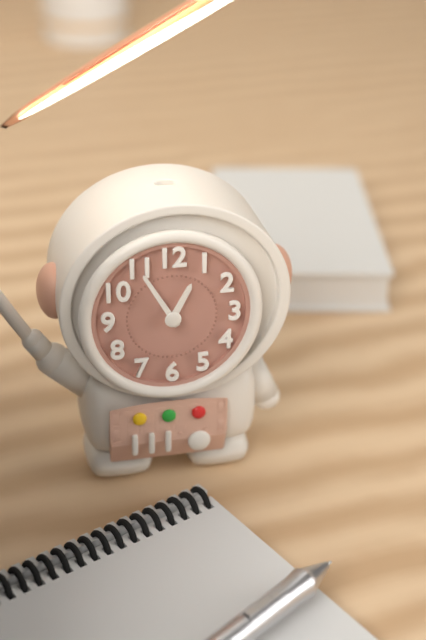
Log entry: 12:55
